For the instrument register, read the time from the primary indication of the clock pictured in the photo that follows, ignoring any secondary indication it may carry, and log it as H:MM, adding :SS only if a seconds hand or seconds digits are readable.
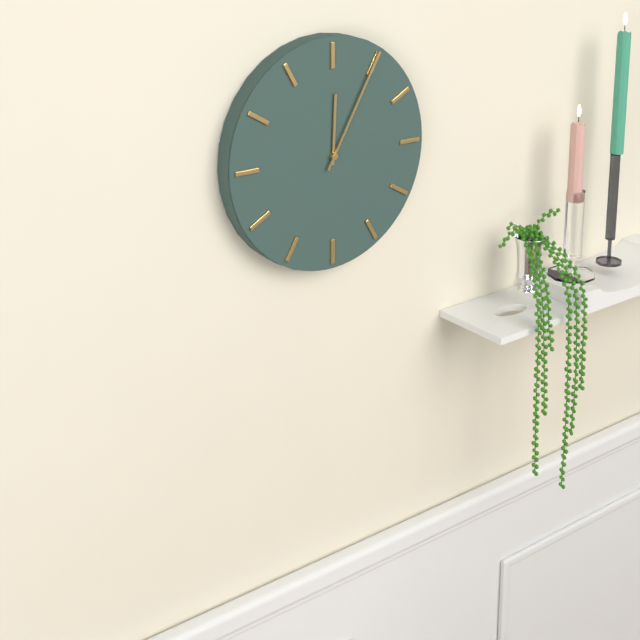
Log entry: 12:05
